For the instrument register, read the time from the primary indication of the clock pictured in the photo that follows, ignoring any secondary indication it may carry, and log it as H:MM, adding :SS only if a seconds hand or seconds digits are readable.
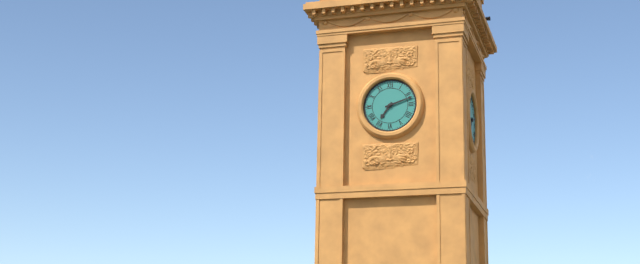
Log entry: 7:12
